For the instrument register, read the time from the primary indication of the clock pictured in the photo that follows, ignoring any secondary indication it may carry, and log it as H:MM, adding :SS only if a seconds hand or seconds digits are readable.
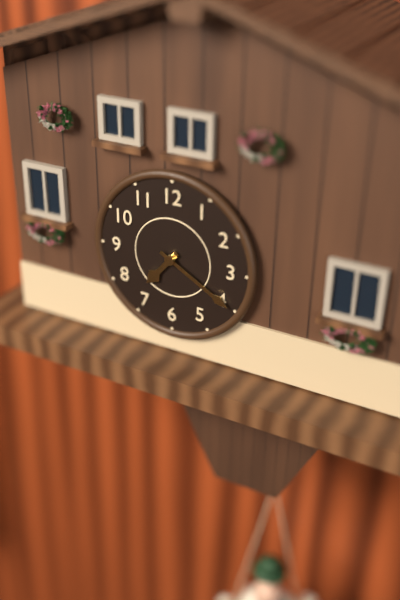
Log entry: 7:20
